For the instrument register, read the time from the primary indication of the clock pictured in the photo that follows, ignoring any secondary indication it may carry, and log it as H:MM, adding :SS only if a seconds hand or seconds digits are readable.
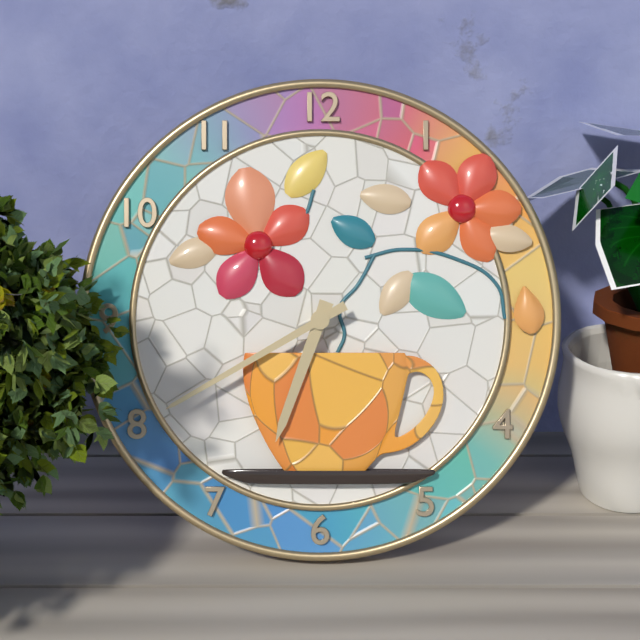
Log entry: 6:40
